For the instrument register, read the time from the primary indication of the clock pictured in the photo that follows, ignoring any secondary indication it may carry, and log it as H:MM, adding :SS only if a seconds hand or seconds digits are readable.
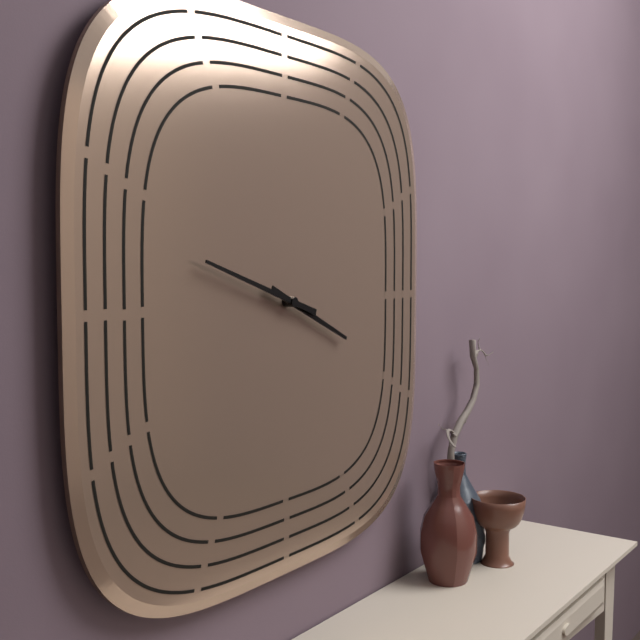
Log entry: 3:48
